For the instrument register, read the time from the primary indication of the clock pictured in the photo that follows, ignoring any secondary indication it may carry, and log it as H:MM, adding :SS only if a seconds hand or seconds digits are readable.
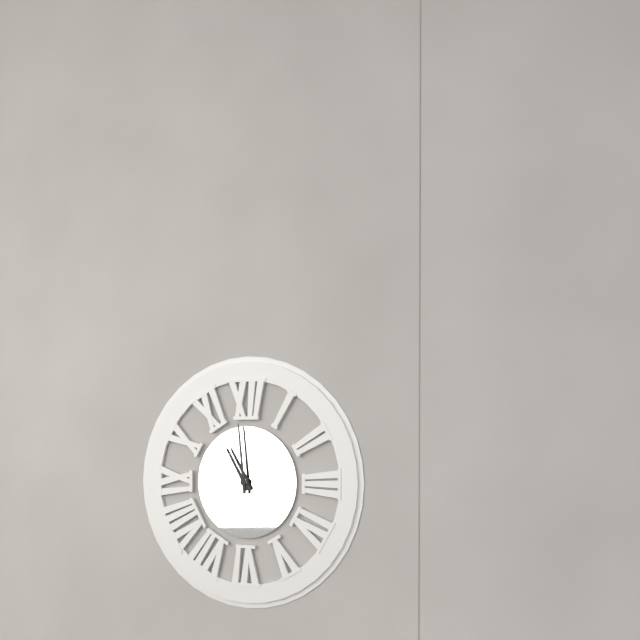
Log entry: 10:59
